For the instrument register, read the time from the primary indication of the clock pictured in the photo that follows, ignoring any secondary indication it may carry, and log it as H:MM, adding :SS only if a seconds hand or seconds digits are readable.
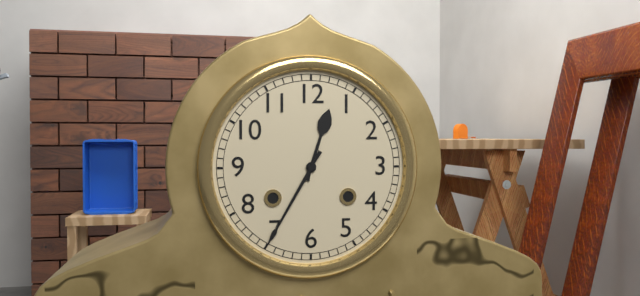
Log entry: 12:35
